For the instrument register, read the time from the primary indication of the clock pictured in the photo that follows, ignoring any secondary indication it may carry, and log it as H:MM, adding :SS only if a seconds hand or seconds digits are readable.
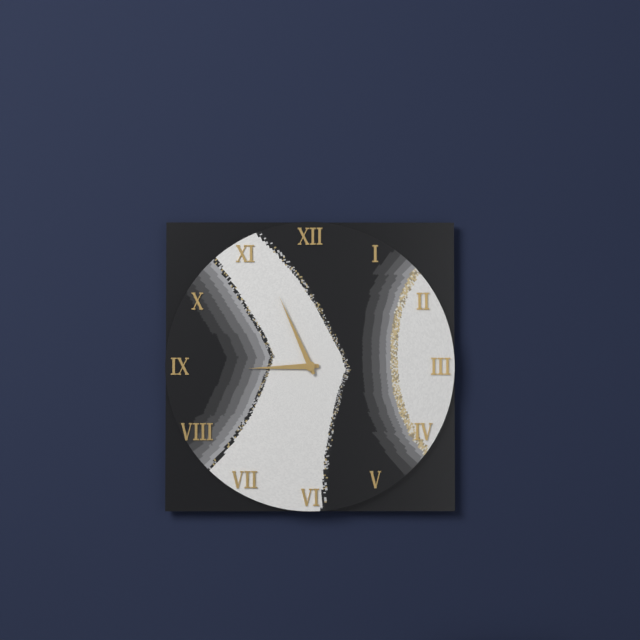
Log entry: 8:56
